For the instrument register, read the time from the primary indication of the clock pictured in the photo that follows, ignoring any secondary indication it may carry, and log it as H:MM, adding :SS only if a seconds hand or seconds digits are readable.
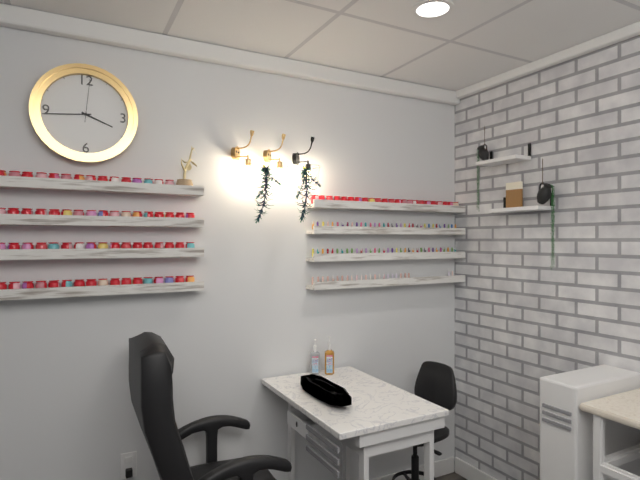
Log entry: 3:44
